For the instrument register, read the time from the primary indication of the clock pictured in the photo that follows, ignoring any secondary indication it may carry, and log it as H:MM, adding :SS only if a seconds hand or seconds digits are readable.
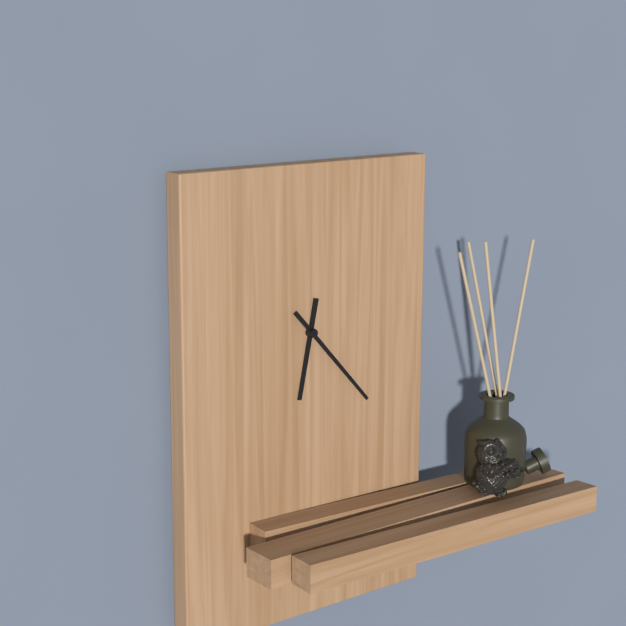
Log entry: 6:23
